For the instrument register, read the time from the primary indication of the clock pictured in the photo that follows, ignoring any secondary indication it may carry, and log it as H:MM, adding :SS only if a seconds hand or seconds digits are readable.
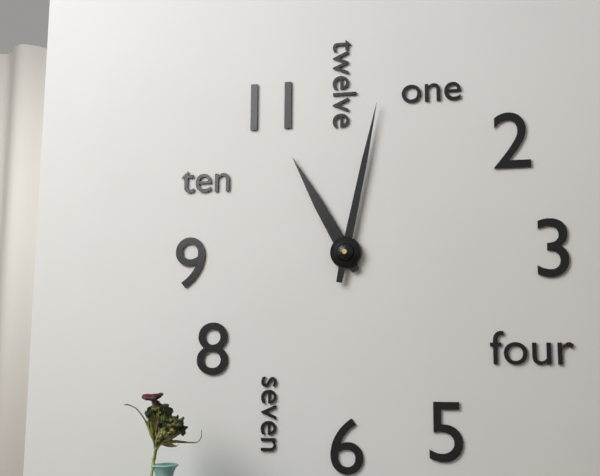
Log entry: 11:02
